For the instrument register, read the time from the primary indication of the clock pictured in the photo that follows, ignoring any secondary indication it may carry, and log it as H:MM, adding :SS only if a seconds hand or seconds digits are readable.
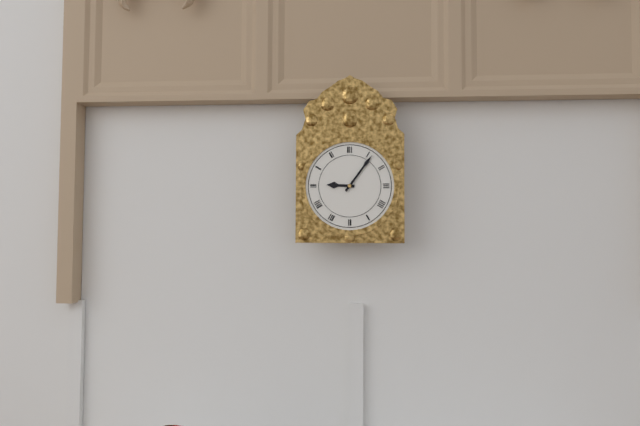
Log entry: 9:06
